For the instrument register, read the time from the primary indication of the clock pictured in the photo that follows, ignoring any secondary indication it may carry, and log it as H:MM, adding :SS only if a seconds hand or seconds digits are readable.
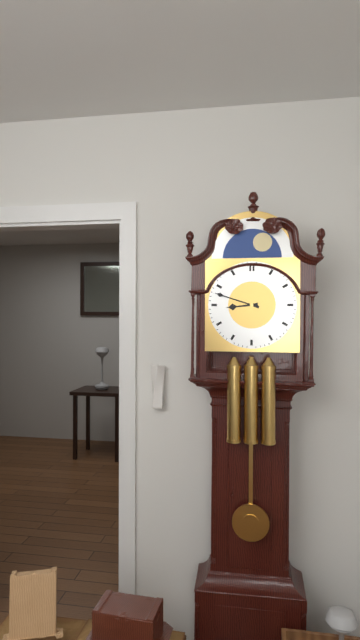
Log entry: 8:48
